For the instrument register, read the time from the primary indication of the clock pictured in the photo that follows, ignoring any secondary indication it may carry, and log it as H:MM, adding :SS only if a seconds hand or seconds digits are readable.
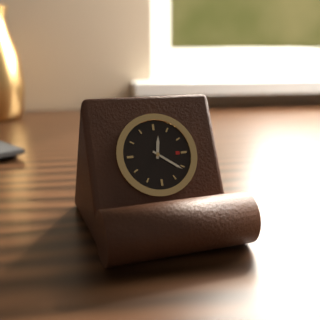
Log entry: 12:21
